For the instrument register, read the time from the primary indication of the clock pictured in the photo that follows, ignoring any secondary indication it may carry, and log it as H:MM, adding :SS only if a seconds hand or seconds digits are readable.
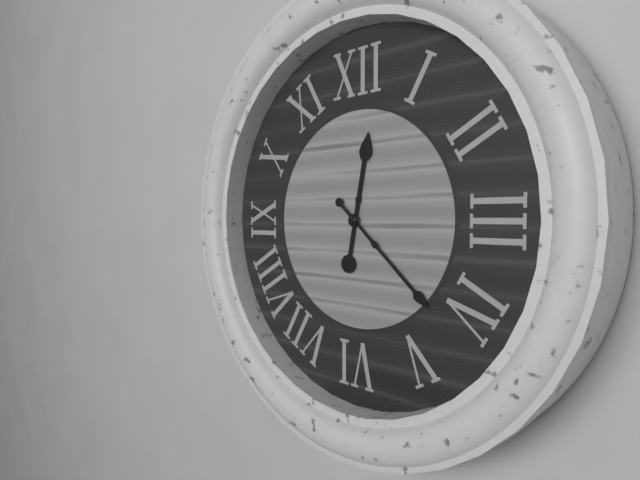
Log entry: 12:22
